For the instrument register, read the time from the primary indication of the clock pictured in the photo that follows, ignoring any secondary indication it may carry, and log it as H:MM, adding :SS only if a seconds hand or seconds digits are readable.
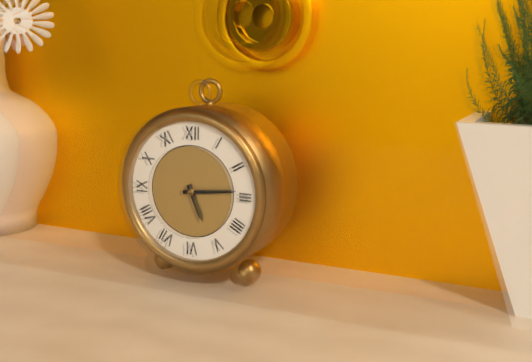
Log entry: 5:14
